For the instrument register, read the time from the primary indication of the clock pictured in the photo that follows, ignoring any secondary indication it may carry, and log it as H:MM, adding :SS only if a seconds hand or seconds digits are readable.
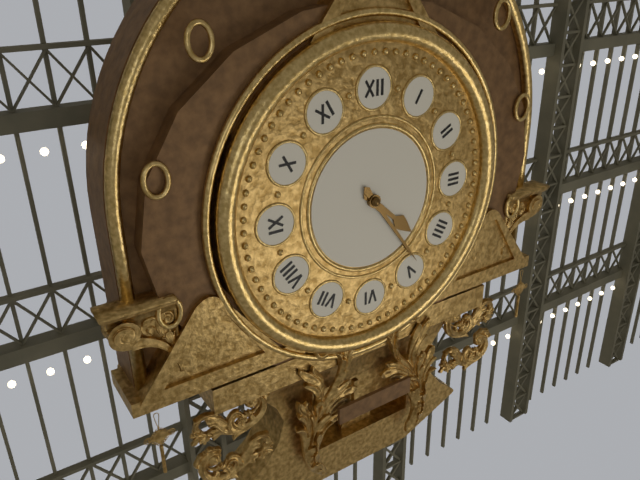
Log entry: 4:24
